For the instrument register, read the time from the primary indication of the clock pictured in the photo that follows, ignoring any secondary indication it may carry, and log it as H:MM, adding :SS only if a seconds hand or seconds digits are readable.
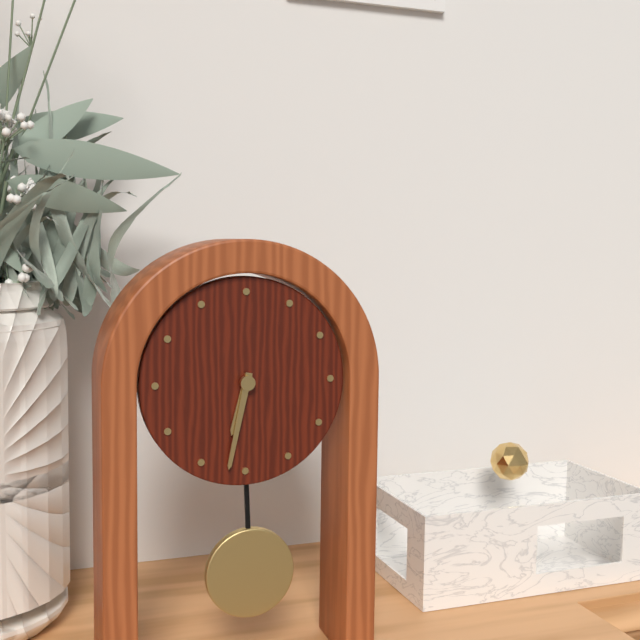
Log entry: 6:32
